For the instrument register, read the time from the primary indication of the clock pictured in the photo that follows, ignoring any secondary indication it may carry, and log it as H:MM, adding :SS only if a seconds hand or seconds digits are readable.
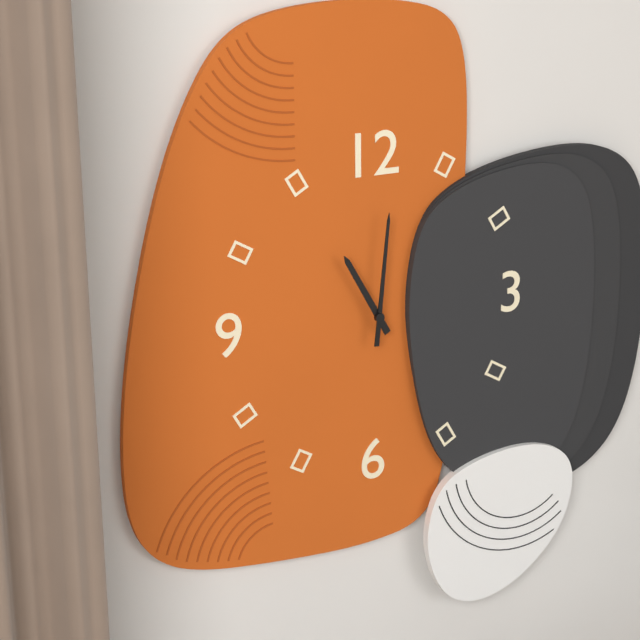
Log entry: 11:01
